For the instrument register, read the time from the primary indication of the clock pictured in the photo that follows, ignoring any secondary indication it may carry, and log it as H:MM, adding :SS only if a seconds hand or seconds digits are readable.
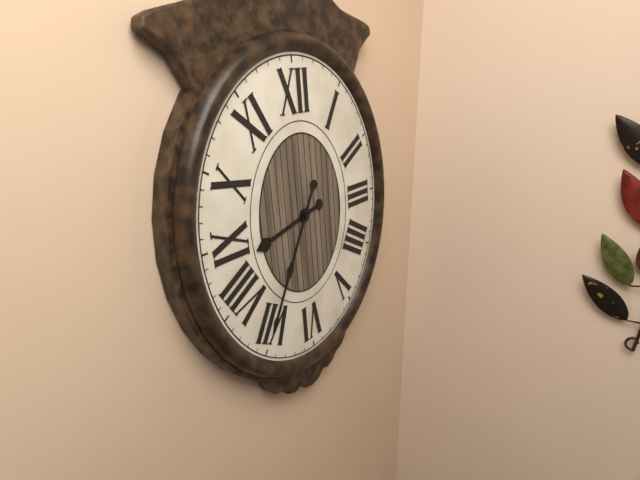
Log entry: 8:35
